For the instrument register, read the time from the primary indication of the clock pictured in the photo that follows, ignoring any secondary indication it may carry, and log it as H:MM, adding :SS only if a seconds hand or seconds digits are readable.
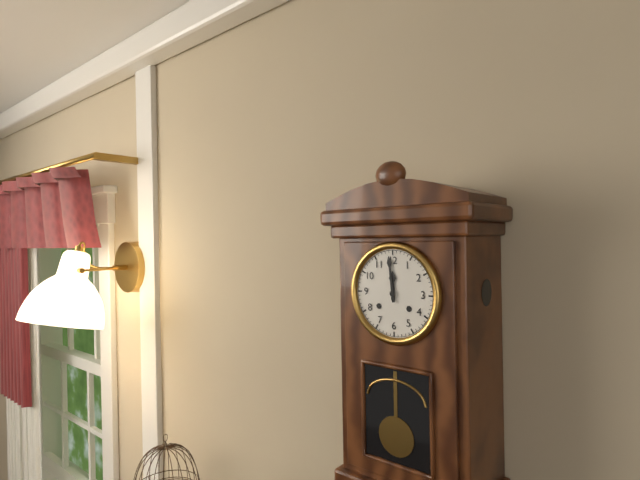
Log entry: 11:59
